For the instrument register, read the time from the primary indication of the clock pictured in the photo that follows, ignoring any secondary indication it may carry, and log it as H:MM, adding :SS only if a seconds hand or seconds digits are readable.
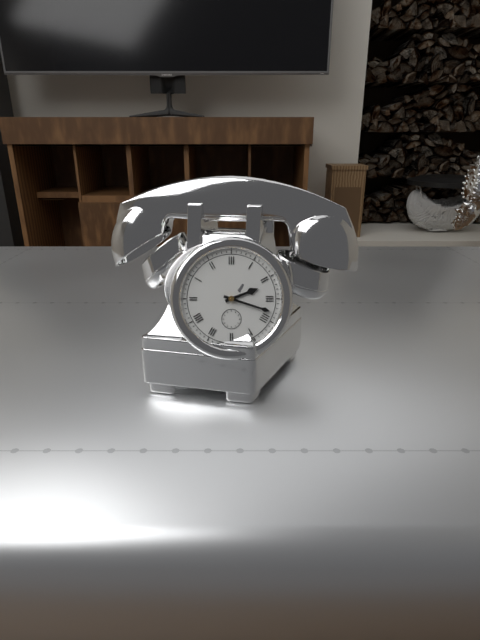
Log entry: 2:18
